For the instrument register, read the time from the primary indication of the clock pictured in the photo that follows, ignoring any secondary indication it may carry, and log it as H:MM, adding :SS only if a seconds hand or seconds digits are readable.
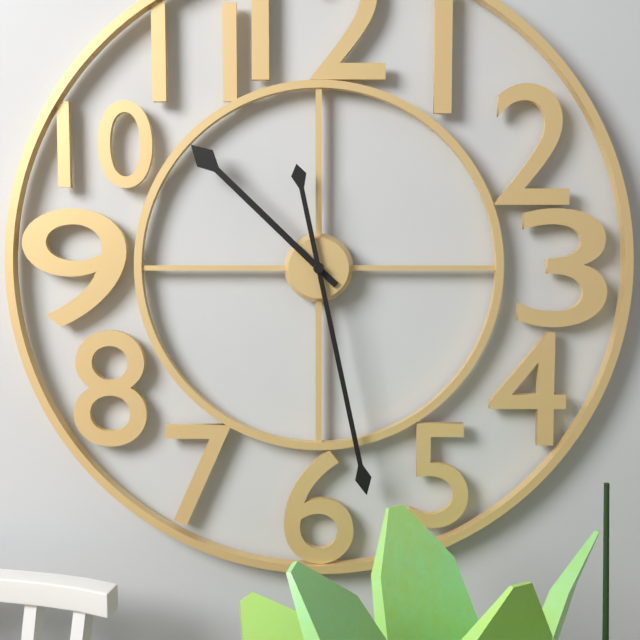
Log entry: 10:28
